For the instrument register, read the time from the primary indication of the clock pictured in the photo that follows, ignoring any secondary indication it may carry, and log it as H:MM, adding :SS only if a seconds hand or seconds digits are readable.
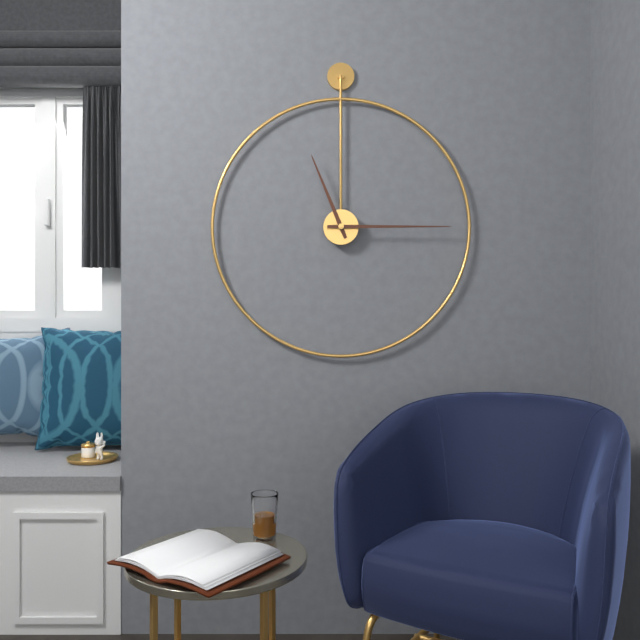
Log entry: 11:15
